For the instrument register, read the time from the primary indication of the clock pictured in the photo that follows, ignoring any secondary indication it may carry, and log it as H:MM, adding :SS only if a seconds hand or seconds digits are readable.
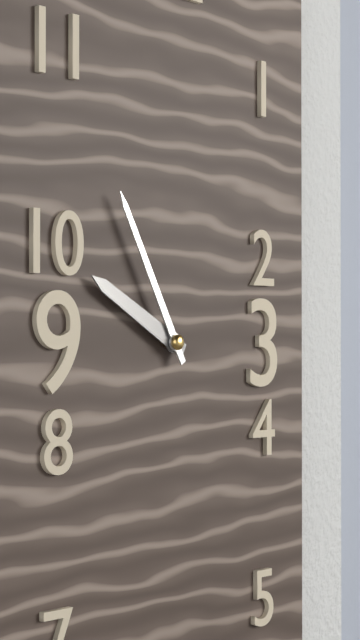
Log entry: 9:55
